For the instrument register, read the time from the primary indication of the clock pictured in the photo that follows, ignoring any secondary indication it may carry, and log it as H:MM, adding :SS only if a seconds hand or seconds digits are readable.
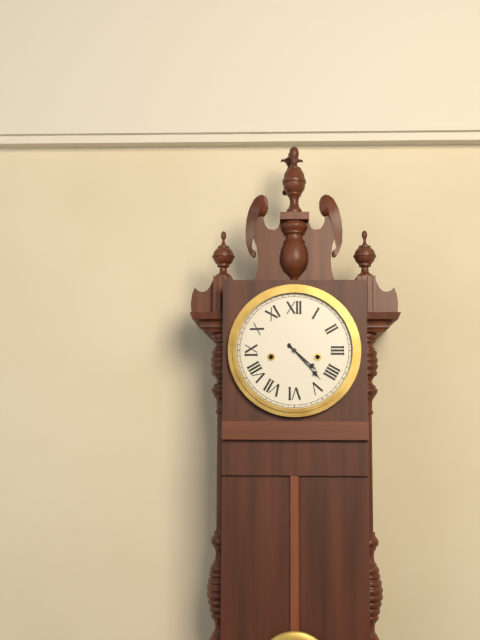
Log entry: 4:23
